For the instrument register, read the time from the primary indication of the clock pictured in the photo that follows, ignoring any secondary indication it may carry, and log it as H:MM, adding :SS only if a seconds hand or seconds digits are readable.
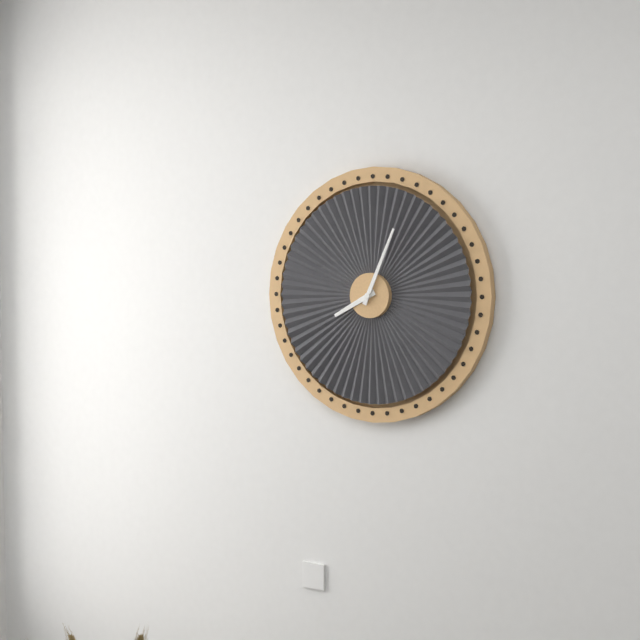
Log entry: 8:04
